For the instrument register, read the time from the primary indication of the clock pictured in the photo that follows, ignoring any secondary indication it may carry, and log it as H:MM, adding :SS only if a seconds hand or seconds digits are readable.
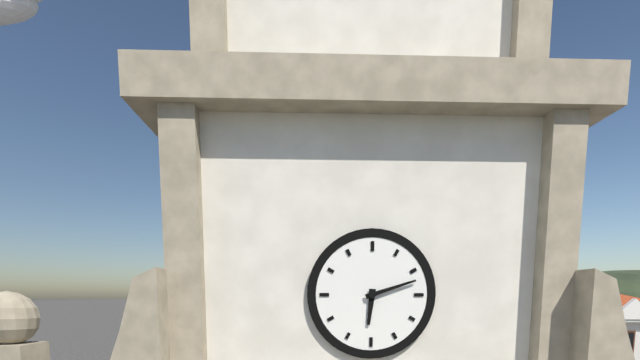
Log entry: 6:12
